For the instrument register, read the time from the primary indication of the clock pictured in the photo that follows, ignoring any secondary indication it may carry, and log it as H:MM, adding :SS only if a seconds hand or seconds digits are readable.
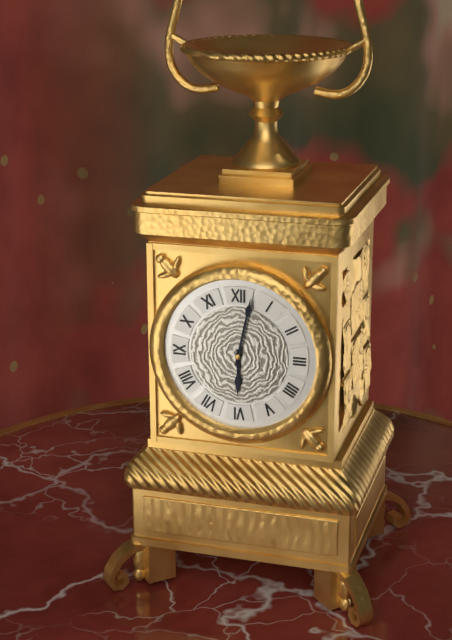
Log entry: 6:02
